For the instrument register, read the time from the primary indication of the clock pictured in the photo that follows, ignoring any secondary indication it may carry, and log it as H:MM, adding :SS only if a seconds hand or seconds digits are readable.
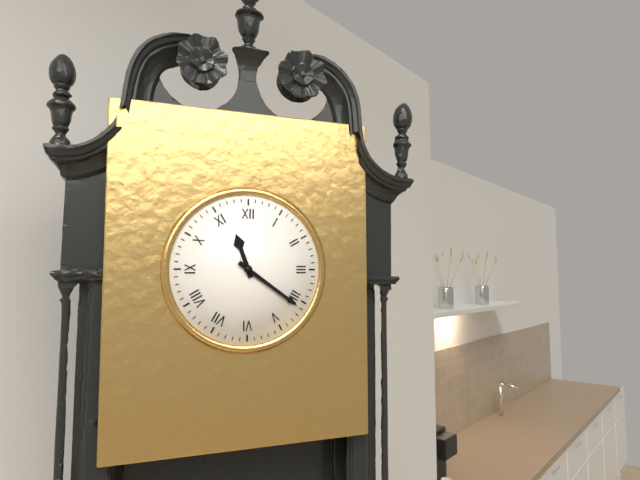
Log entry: 11:21
